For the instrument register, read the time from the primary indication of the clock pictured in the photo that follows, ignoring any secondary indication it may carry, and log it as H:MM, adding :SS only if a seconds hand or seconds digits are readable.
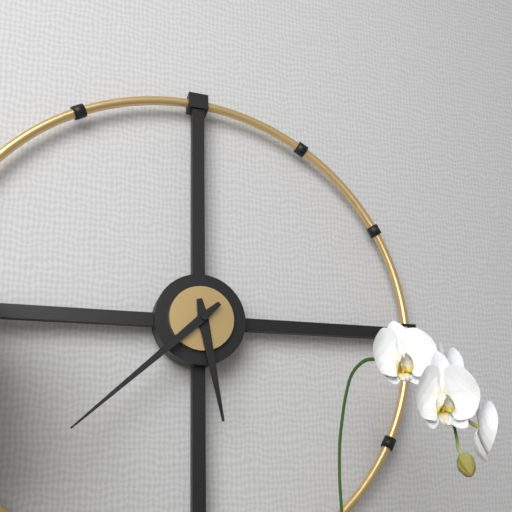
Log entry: 5:38
